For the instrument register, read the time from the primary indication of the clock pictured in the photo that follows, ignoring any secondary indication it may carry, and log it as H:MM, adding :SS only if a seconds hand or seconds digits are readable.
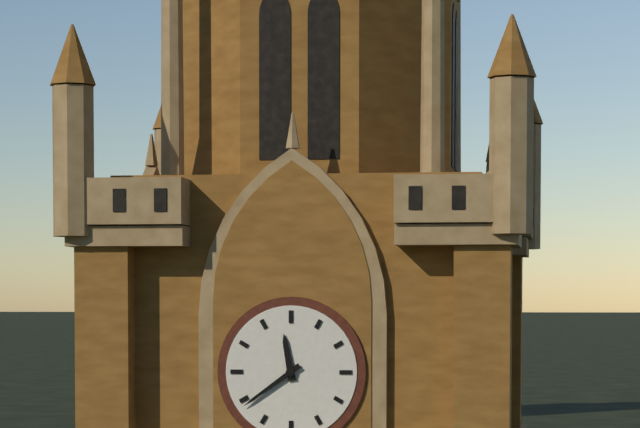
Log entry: 11:39
